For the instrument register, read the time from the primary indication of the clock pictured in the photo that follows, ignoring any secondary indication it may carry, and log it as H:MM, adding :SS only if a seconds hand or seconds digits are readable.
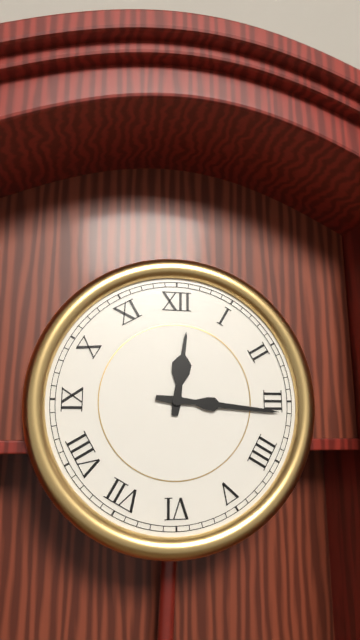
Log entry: 12:16
